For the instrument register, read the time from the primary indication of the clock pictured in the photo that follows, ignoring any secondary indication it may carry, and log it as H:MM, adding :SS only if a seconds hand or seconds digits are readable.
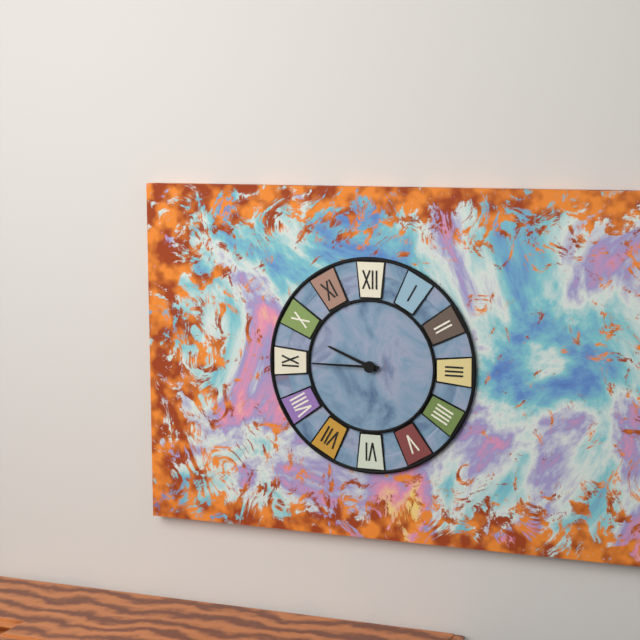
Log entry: 9:45
